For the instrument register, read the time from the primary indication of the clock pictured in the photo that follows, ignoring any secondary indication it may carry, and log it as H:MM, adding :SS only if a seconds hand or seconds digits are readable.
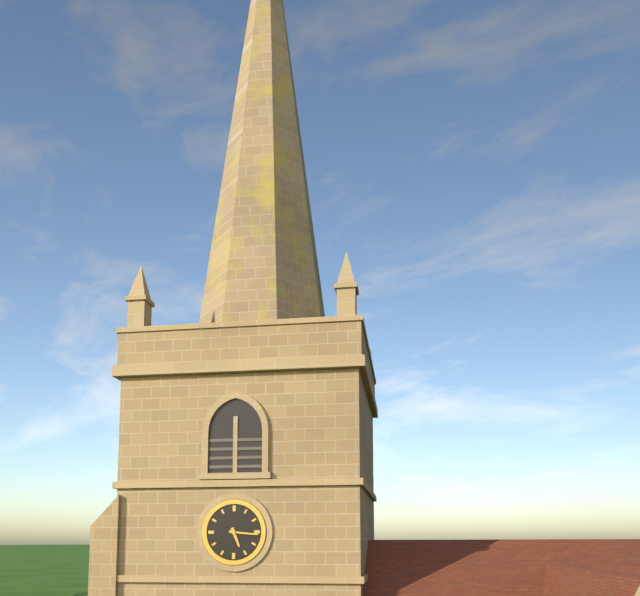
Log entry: 5:16
